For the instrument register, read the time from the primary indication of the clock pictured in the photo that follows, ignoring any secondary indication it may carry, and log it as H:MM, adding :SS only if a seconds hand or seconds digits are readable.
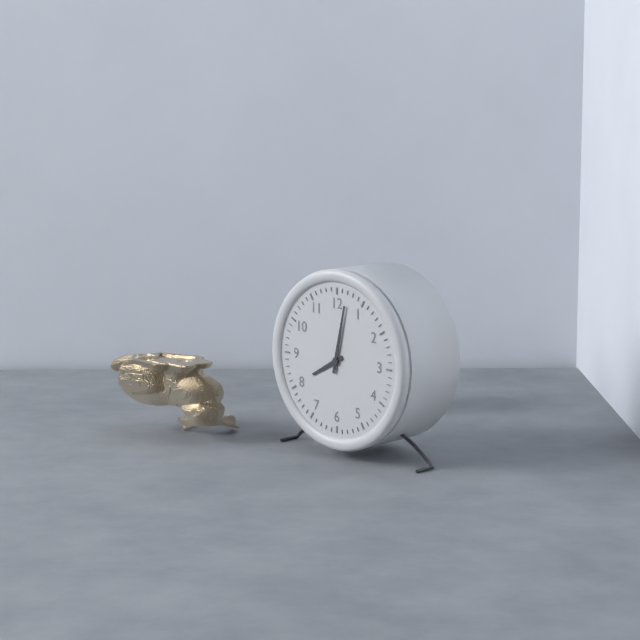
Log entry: 8:02
